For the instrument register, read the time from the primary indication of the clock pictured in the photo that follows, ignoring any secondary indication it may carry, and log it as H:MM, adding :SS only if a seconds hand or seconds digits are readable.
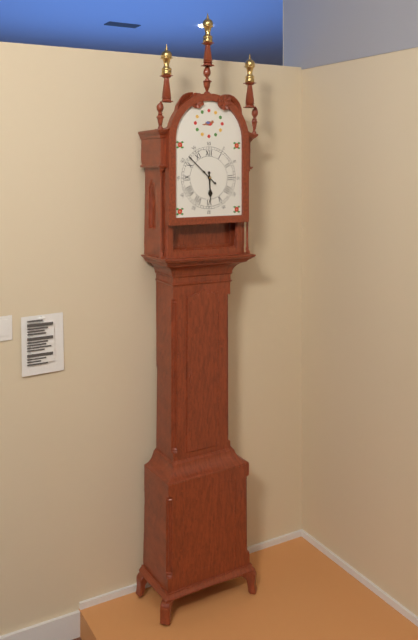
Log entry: 5:52
